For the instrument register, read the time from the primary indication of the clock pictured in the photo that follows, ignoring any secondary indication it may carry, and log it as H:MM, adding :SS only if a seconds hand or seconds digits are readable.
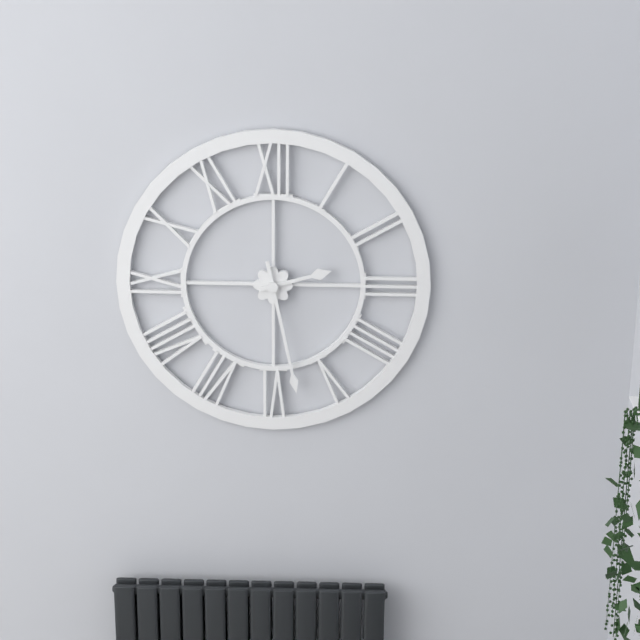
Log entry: 2:28
